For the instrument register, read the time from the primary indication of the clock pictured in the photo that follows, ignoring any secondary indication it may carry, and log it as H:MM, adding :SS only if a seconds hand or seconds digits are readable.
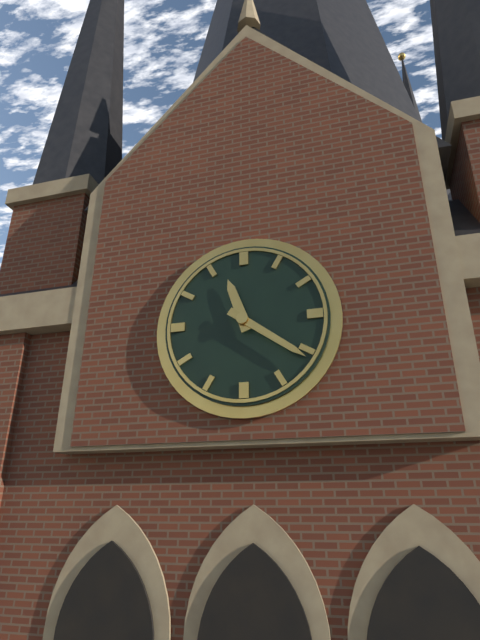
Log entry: 11:21
